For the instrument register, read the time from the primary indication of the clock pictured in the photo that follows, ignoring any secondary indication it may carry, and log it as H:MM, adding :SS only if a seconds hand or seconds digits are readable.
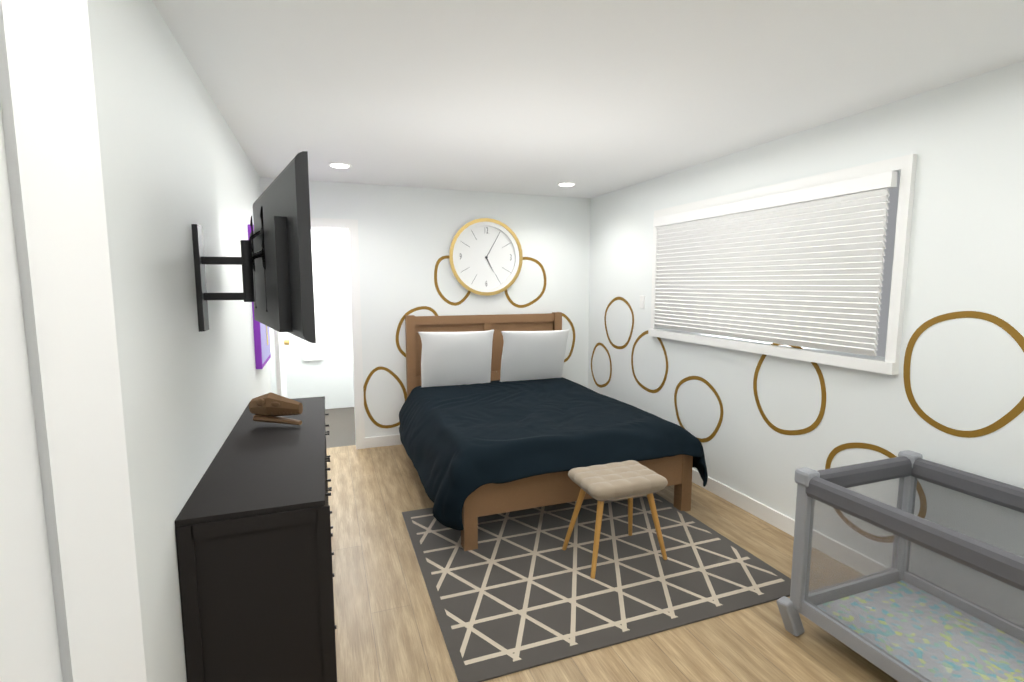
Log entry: 5:05
